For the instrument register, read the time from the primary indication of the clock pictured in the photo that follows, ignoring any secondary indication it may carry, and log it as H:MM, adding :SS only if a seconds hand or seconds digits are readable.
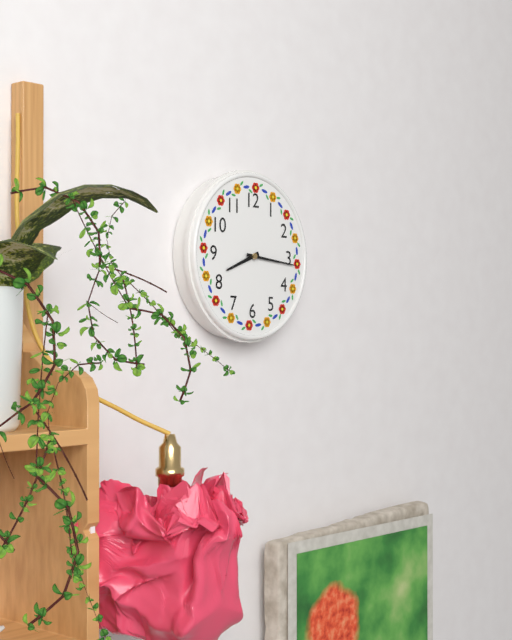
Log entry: 8:16
